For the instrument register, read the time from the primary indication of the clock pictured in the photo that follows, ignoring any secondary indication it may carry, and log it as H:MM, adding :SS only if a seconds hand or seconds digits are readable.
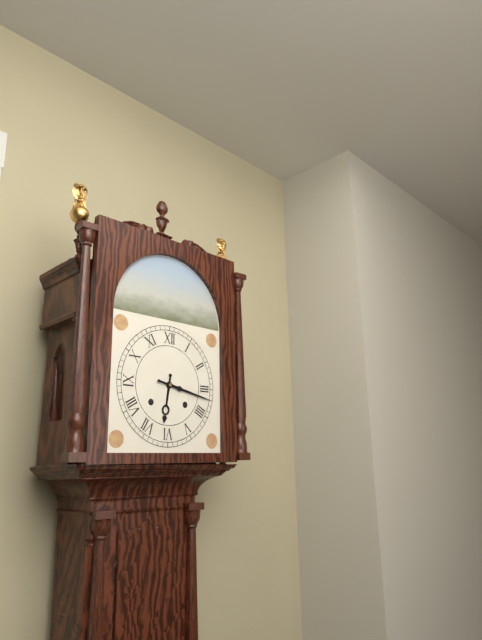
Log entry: 6:17
